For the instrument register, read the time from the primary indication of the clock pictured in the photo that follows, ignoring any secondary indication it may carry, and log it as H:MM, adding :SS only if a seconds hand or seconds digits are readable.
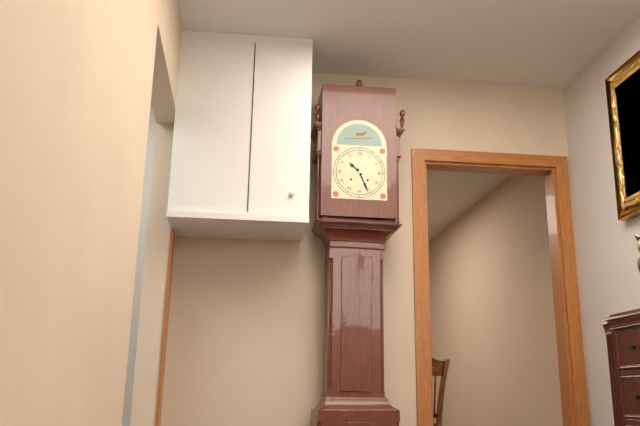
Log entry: 10:26
